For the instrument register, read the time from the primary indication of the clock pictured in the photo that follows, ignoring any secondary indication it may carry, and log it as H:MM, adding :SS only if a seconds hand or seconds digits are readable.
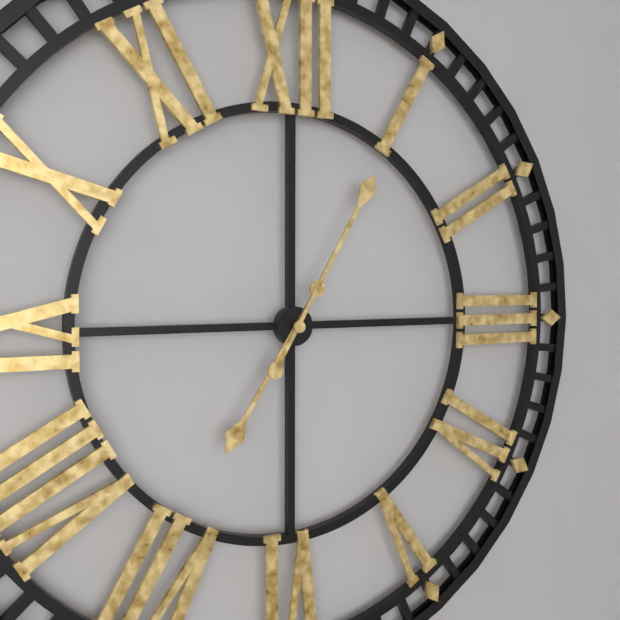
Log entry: 7:05
